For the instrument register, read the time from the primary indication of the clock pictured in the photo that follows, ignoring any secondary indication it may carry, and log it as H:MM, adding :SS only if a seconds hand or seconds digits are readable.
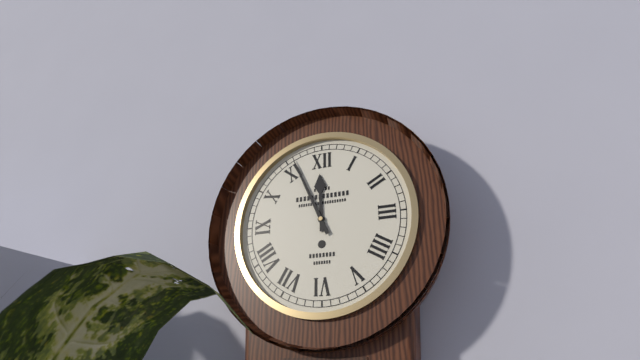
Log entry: 11:56
